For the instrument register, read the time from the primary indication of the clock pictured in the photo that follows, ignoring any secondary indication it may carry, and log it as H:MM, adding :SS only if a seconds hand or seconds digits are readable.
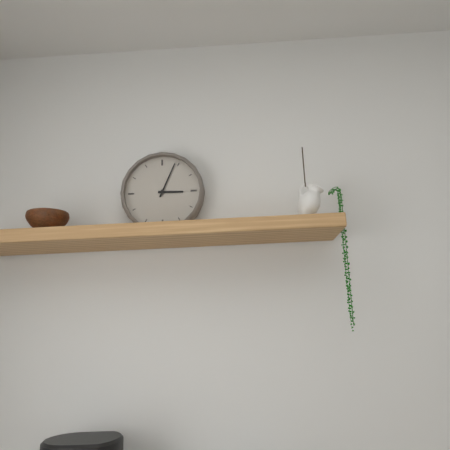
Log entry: 3:04
